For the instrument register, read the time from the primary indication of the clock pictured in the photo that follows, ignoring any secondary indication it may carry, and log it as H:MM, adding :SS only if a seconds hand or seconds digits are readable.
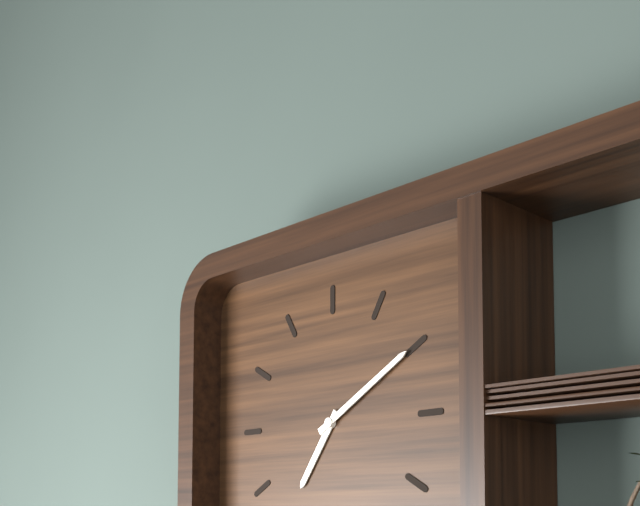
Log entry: 7:10
